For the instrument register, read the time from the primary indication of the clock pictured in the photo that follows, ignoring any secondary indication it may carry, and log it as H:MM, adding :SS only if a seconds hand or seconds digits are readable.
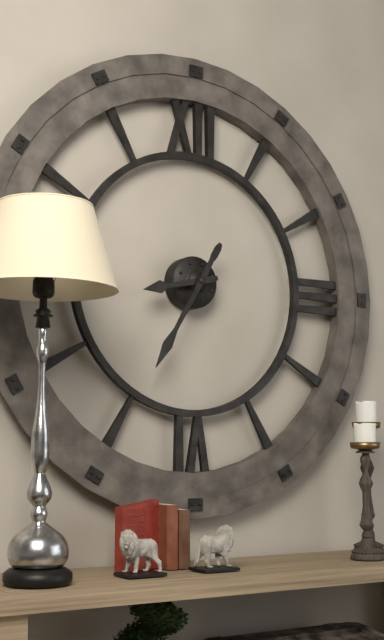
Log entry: 8:35
